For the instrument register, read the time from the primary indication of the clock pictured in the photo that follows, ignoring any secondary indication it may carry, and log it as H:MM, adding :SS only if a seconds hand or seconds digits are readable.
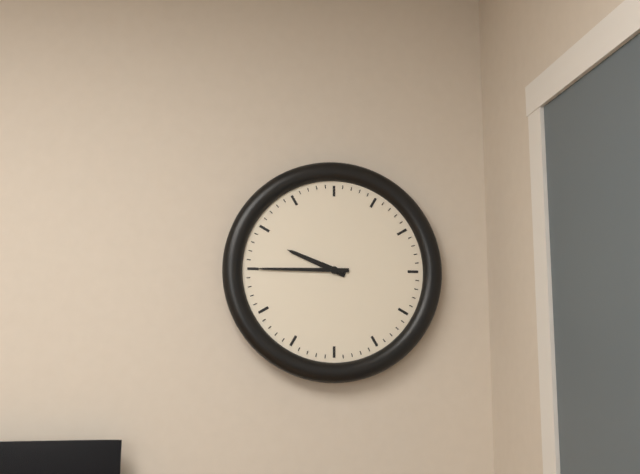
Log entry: 9:45
